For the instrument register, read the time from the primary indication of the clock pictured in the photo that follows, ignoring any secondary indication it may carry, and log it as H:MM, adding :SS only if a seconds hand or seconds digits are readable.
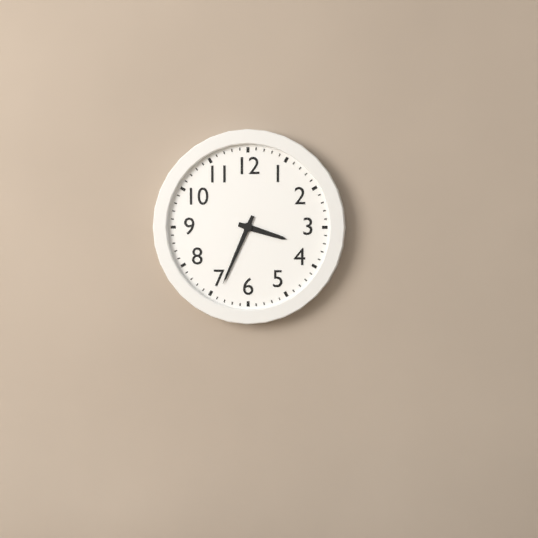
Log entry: 3:34
